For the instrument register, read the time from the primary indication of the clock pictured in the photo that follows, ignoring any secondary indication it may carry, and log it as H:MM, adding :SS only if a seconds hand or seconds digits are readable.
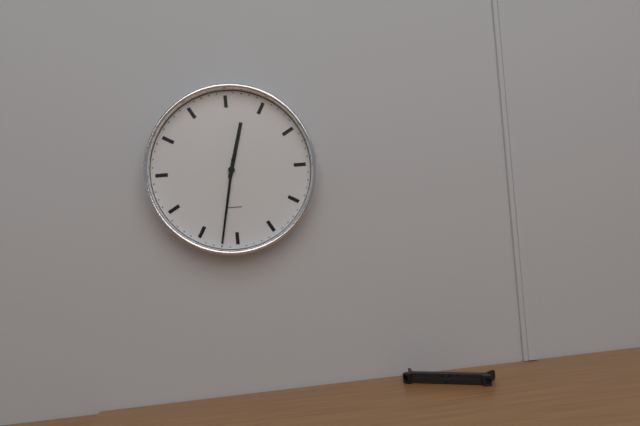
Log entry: 12:32
